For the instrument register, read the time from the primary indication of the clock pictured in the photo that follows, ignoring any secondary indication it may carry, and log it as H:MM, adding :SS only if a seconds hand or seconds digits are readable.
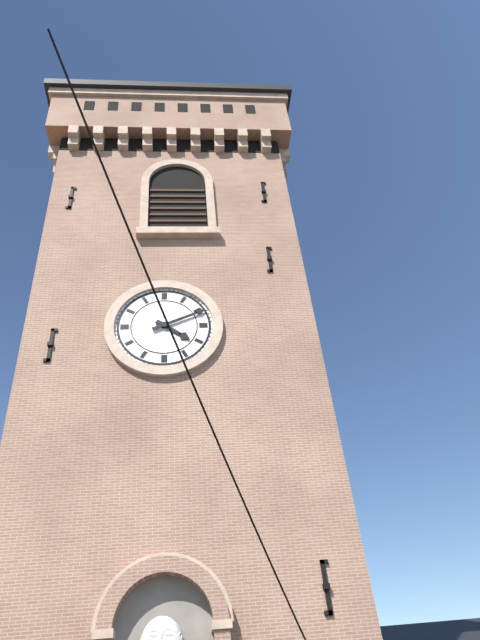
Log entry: 4:11
